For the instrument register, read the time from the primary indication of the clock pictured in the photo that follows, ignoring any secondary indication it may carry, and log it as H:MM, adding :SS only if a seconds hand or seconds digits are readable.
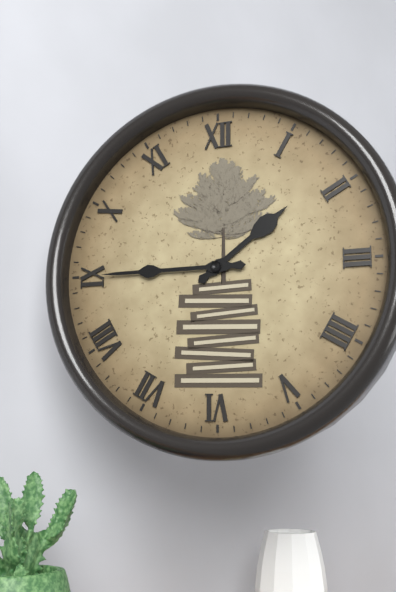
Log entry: 1:45
